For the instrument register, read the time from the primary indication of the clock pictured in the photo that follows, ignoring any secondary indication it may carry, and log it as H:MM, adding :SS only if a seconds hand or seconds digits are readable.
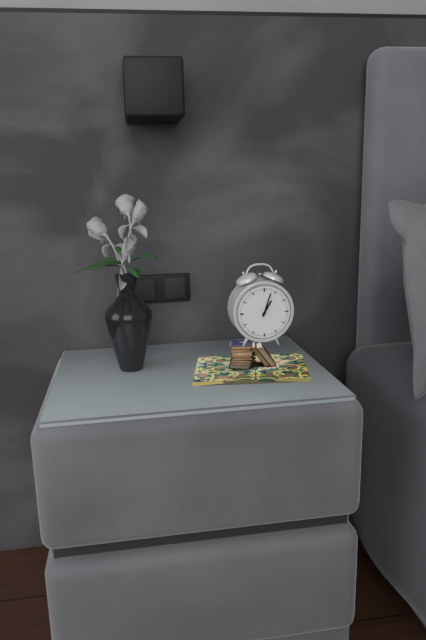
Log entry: 1:03
